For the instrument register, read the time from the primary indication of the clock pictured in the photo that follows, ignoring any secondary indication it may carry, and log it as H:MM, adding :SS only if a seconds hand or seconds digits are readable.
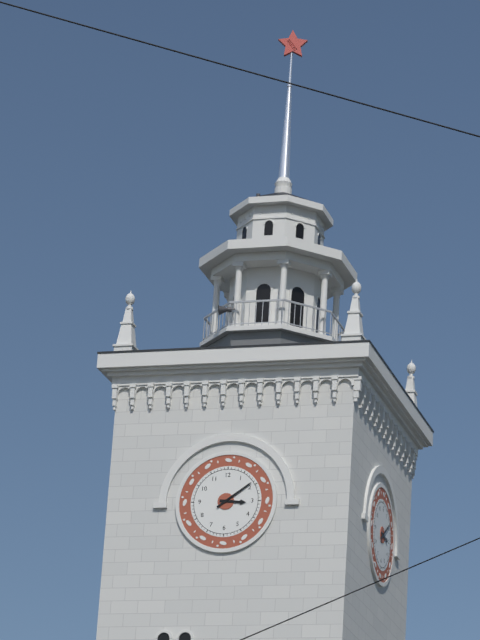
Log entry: 3:09
